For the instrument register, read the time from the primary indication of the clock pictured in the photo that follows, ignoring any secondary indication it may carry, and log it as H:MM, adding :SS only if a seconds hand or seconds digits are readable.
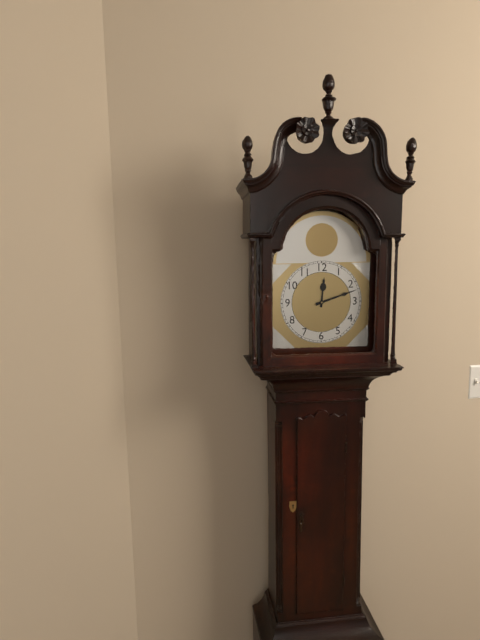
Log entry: 12:12
